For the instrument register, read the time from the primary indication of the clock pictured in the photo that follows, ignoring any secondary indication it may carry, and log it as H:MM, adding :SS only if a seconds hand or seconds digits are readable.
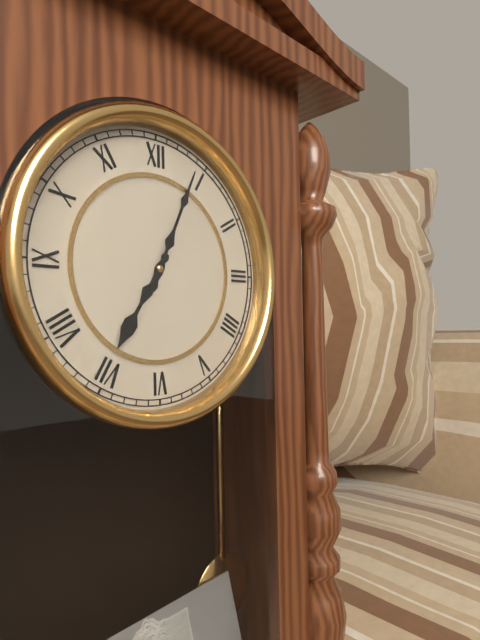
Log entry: 7:04
